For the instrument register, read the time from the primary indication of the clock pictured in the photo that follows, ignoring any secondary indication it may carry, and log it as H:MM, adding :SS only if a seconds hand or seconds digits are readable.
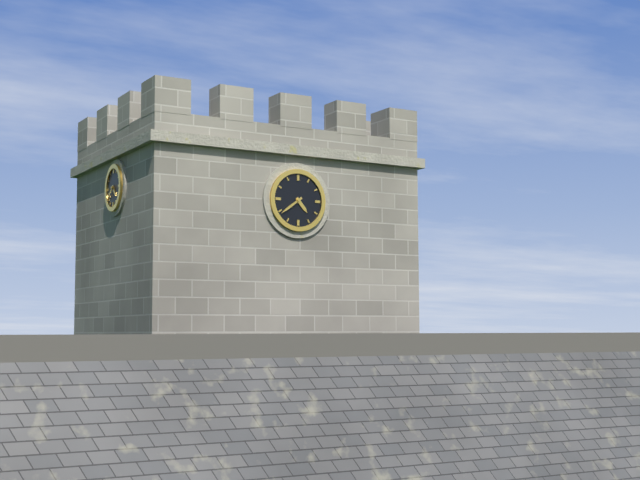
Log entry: 4:39
